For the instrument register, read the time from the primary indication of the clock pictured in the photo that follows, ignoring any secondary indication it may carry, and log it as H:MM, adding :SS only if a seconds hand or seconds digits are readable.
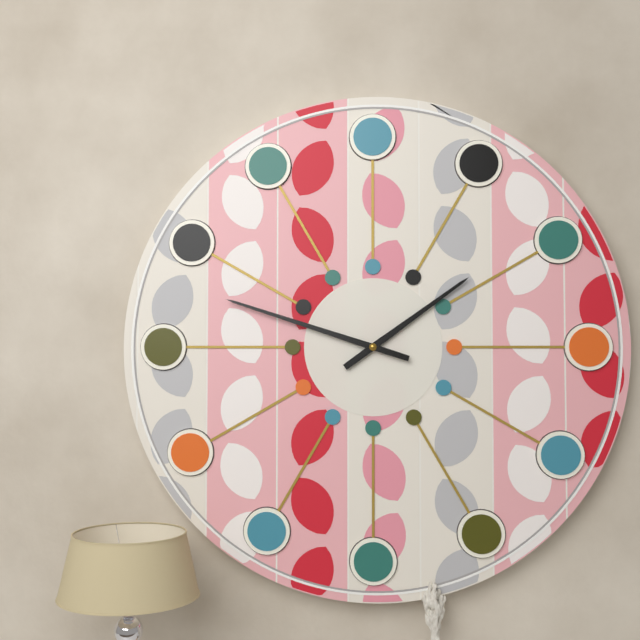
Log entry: 1:48
